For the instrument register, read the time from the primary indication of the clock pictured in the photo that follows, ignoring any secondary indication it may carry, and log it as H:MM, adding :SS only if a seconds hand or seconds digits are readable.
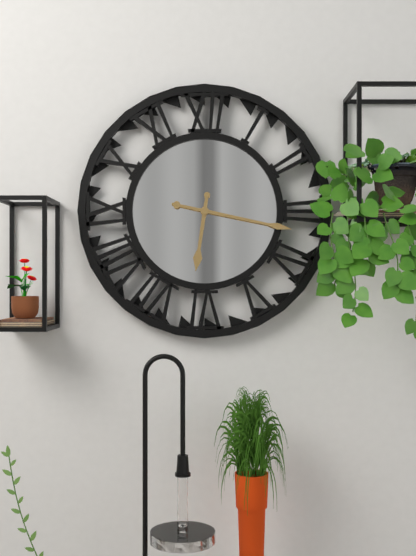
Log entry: 6:17
